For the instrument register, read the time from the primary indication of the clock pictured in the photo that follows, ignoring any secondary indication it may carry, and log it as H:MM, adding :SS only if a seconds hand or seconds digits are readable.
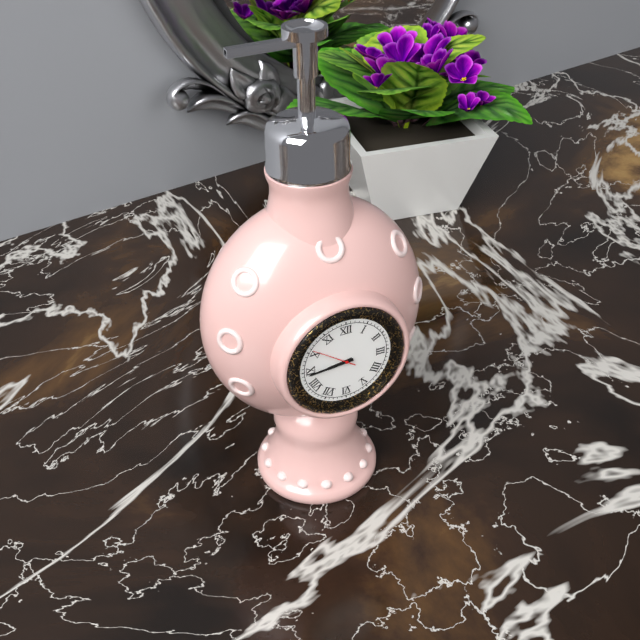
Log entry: 8:44
